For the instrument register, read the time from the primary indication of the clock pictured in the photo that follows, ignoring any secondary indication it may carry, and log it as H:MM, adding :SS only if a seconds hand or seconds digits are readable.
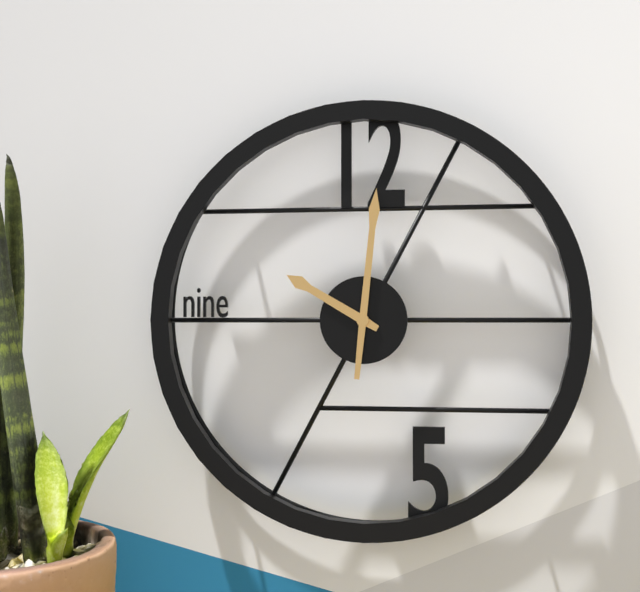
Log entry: 10:01
